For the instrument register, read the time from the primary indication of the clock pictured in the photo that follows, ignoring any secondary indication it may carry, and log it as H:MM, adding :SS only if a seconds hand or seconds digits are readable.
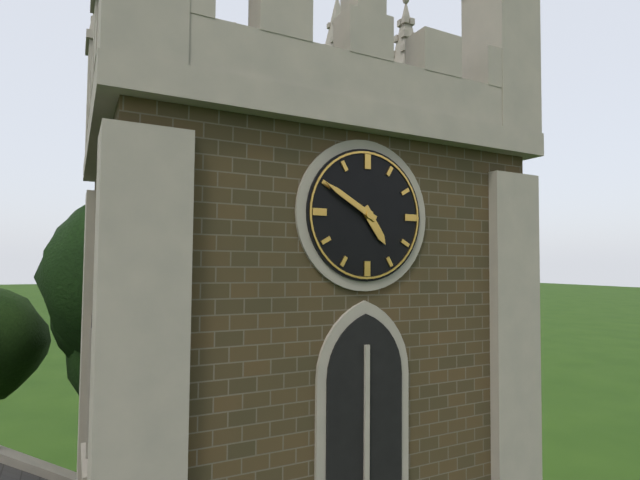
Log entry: 4:50
